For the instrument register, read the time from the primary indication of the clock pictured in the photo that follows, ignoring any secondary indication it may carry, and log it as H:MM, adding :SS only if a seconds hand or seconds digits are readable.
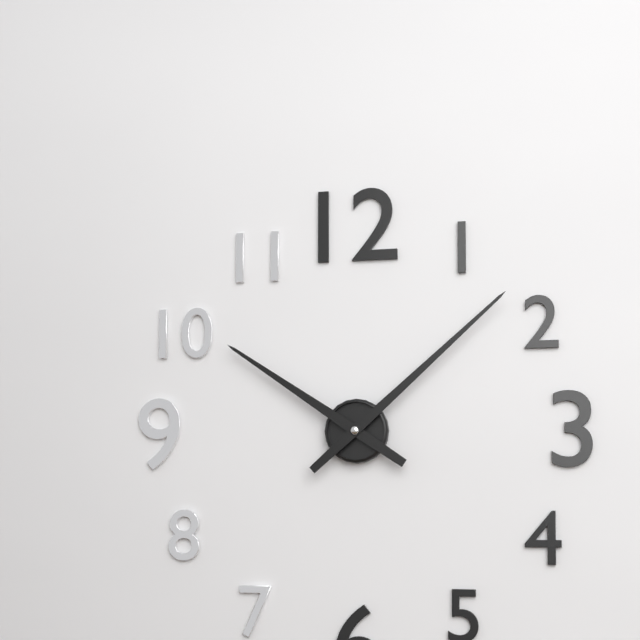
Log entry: 10:08
